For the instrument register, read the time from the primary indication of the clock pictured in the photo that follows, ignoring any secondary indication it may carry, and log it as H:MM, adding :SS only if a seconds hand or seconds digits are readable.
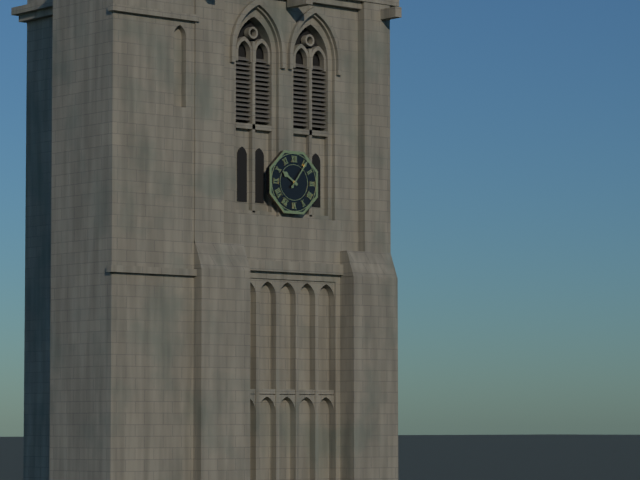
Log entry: 10:06
